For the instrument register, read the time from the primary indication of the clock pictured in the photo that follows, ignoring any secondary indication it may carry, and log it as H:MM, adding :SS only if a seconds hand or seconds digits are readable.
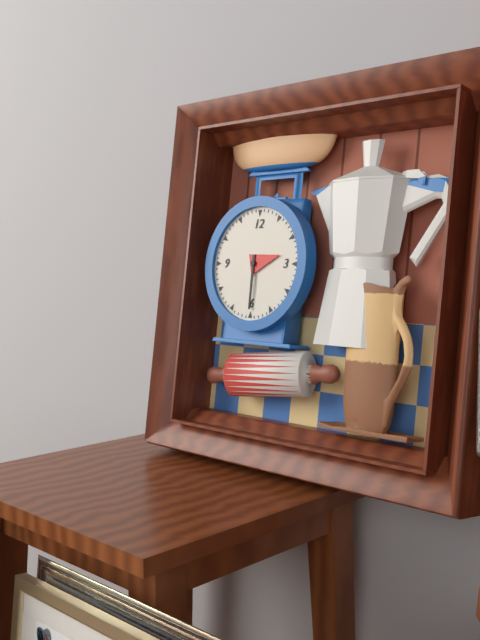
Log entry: 2:30
